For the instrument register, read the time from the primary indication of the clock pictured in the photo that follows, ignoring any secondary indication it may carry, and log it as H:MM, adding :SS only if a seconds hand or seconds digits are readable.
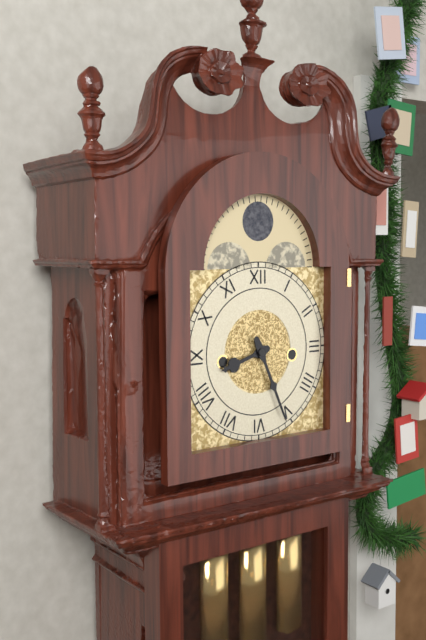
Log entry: 8:26
